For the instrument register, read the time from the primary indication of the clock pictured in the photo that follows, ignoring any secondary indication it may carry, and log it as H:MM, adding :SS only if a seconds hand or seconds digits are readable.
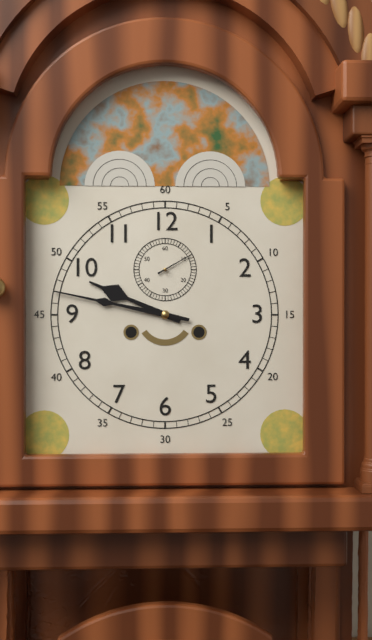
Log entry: 9:47
